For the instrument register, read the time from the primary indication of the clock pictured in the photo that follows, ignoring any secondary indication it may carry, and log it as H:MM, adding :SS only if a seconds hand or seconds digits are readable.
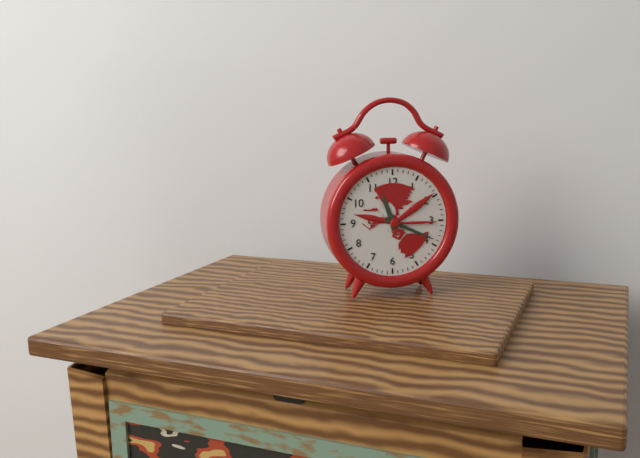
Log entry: 11:19
